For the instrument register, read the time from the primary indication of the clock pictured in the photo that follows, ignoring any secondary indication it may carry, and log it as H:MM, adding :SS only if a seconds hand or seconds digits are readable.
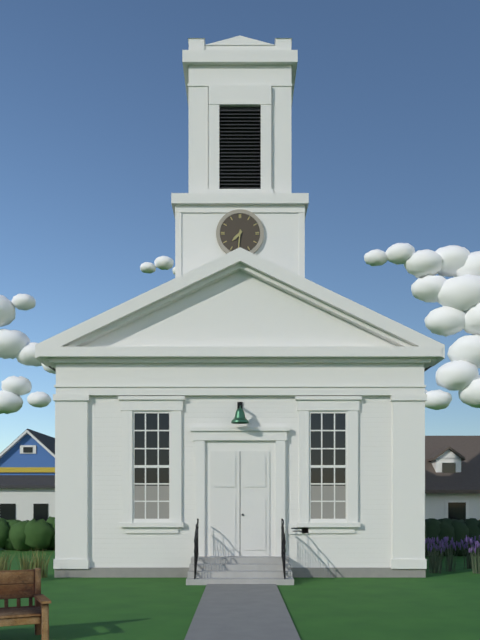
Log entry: 7:31
